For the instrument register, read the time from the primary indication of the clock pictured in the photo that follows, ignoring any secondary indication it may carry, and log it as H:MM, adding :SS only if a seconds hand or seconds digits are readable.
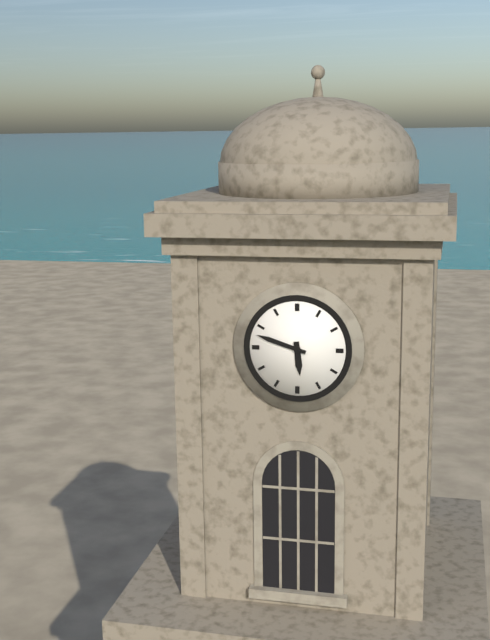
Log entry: 5:48
